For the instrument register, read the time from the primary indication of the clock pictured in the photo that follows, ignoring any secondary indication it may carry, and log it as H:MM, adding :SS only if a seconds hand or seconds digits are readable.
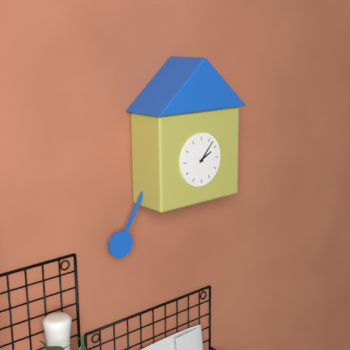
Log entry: 2:07
